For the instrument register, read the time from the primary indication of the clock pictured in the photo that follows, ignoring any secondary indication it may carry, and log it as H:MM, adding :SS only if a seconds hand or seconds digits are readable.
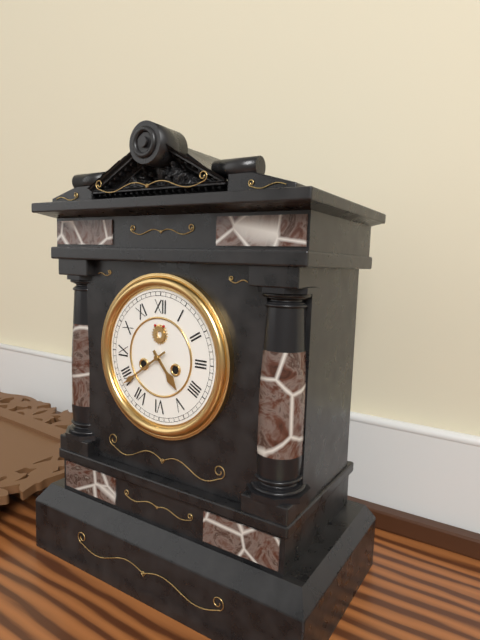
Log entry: 4:39
